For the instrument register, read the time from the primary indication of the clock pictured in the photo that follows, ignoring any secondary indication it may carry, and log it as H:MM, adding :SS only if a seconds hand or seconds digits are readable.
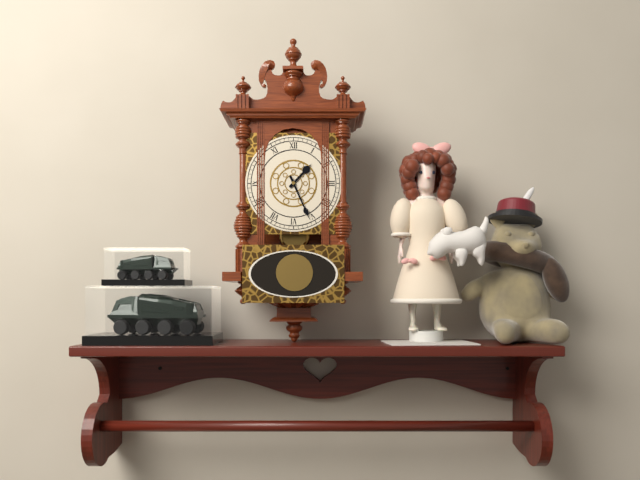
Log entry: 1:26
